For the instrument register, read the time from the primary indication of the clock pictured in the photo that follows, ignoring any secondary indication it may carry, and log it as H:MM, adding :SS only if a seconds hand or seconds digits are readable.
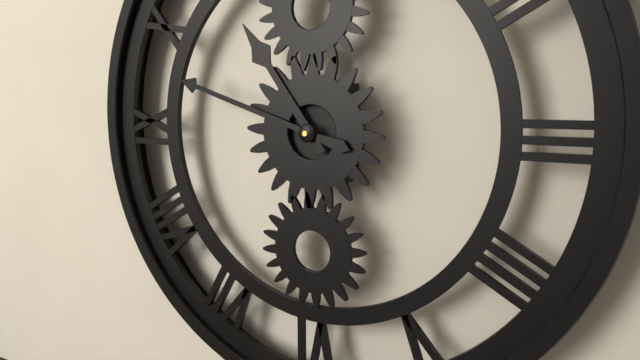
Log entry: 10:48
